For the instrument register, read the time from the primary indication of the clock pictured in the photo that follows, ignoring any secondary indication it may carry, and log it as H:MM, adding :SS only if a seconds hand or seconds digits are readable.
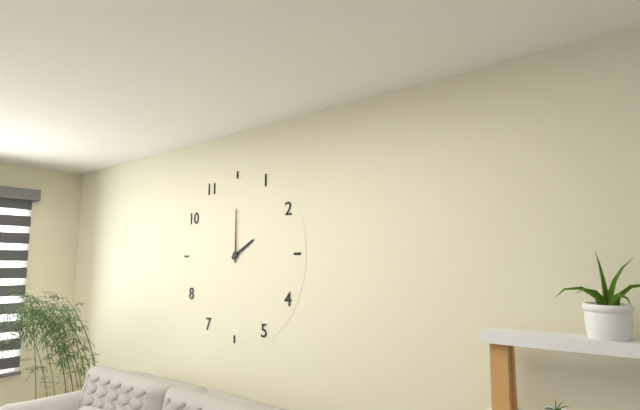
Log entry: 2:00
